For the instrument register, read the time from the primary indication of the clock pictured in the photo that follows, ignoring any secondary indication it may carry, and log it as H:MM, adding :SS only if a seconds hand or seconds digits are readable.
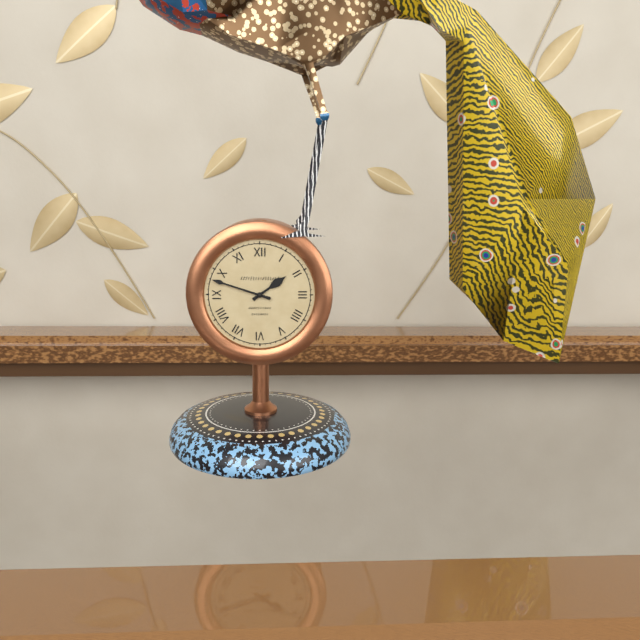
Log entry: 1:48
